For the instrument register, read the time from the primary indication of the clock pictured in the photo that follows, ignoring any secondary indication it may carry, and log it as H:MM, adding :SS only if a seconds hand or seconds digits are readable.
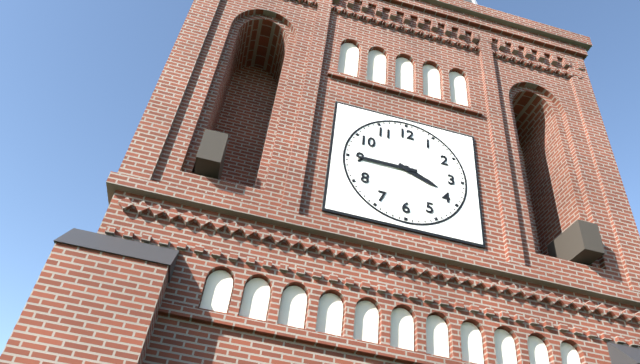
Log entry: 3:45
